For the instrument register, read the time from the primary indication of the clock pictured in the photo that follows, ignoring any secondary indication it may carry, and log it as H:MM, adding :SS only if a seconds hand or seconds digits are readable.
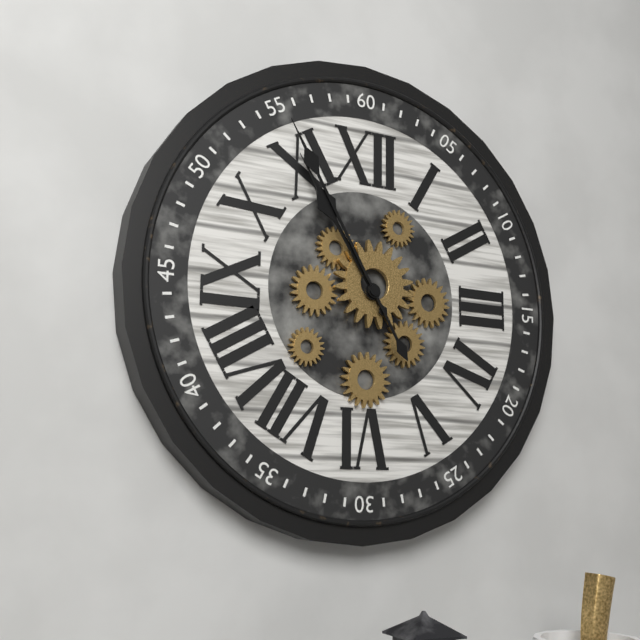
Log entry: 10:55
